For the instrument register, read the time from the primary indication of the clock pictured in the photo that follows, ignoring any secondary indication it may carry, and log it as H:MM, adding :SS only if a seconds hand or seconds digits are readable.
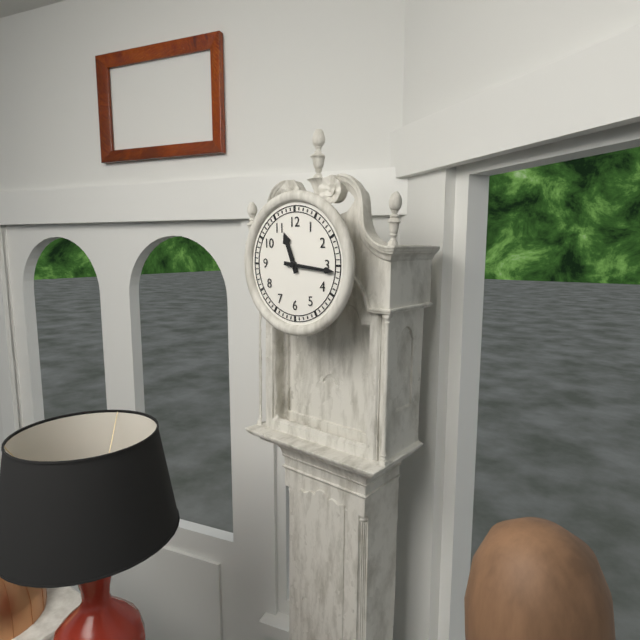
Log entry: 11:16
